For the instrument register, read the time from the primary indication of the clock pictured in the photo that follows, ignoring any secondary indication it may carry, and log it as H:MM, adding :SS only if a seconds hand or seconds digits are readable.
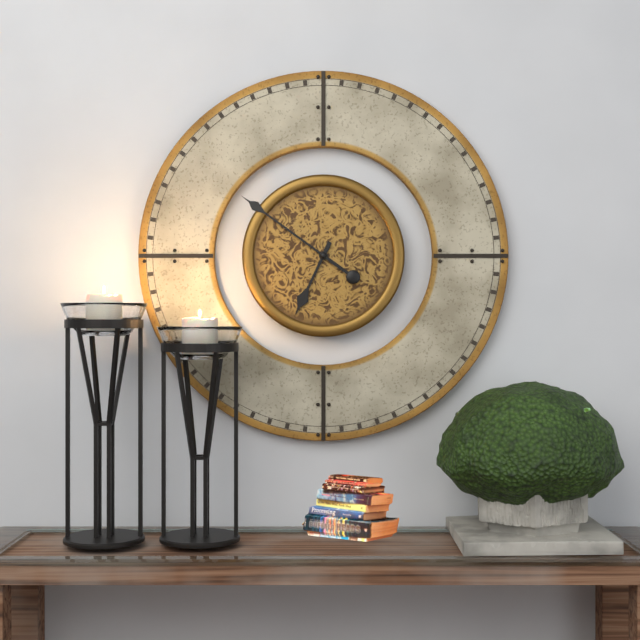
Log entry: 6:51
